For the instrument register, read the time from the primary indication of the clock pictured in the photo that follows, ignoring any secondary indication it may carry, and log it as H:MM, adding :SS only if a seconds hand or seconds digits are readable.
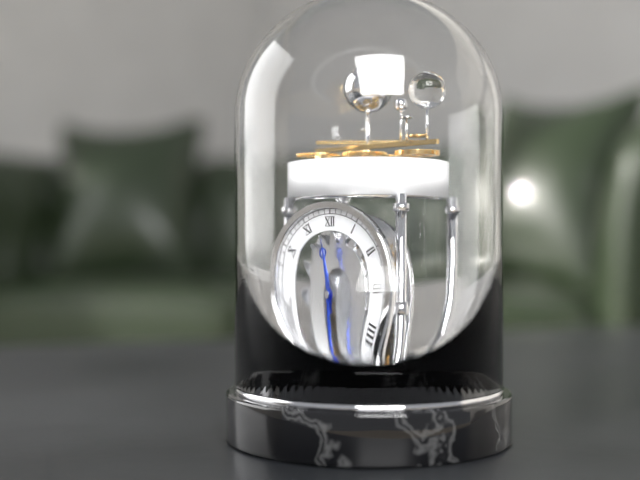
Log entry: 11:30
